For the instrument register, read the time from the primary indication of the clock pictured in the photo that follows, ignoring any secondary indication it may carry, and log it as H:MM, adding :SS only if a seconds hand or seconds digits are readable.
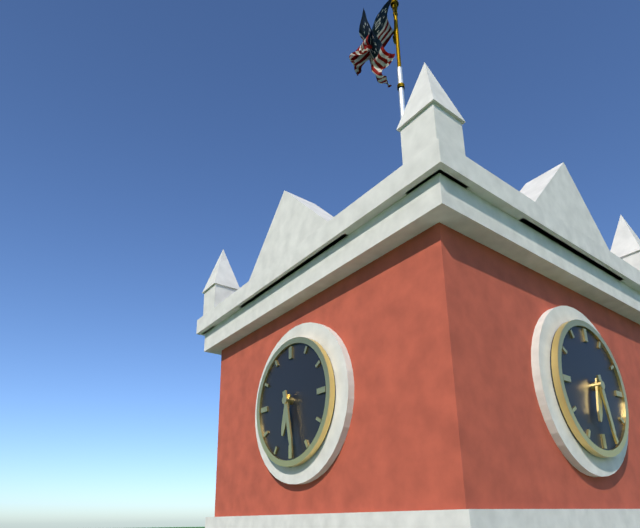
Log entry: 6:28
